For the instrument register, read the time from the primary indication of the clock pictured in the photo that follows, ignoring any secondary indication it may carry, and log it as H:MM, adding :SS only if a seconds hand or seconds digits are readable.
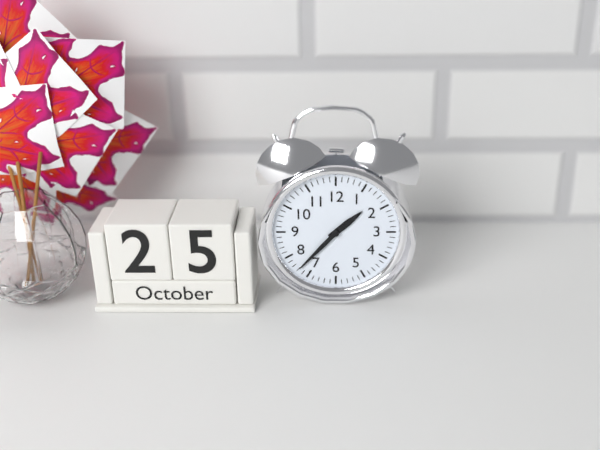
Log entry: 1:37
